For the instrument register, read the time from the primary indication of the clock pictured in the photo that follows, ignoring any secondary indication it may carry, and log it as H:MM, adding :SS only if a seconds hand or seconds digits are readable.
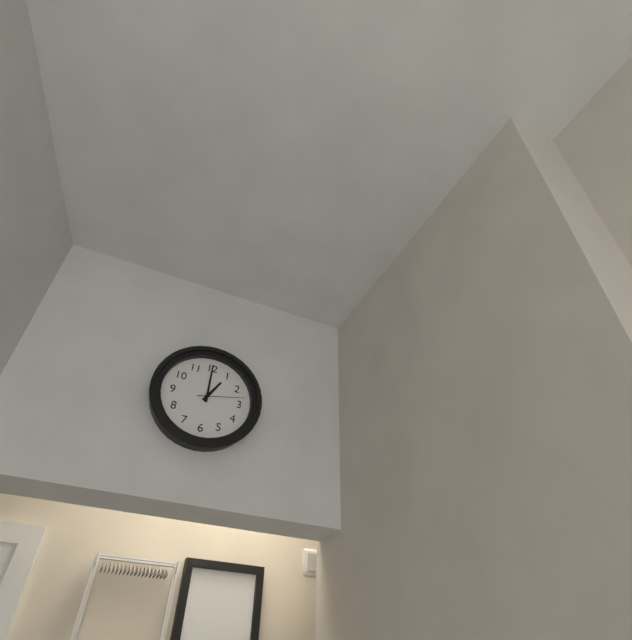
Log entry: 1:00
